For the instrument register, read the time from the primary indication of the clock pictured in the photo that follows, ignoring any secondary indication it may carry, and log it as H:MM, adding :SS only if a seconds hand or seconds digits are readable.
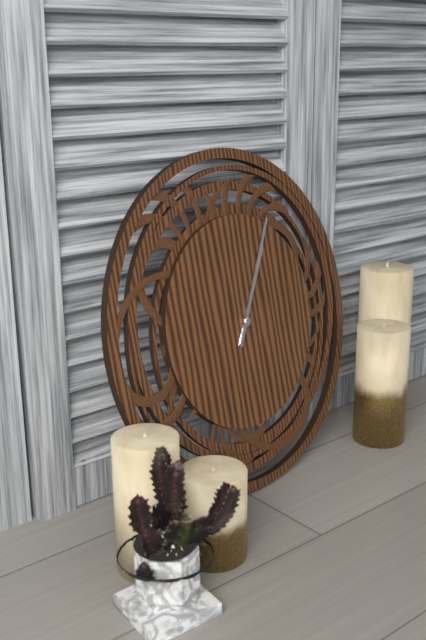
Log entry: 1:05
